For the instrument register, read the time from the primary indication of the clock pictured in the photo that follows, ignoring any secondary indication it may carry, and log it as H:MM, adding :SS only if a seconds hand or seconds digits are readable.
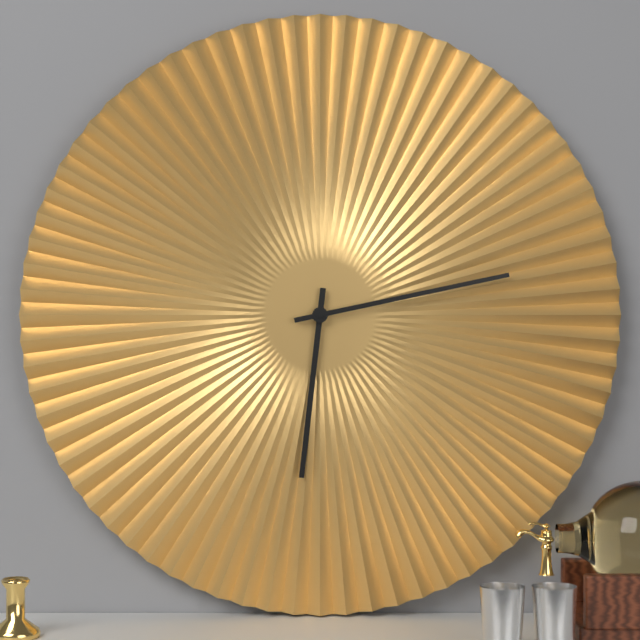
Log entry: 6:13
